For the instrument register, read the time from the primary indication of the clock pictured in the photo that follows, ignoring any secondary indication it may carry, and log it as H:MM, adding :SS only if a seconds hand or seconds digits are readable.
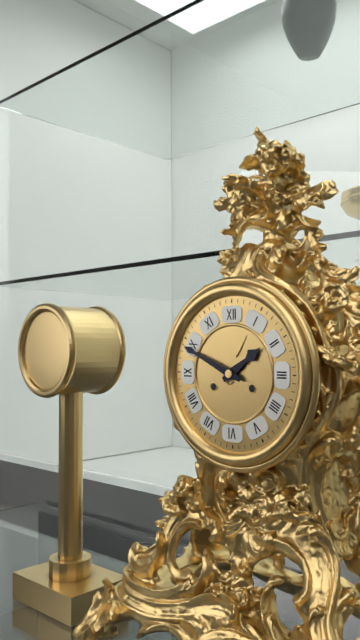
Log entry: 1:49
